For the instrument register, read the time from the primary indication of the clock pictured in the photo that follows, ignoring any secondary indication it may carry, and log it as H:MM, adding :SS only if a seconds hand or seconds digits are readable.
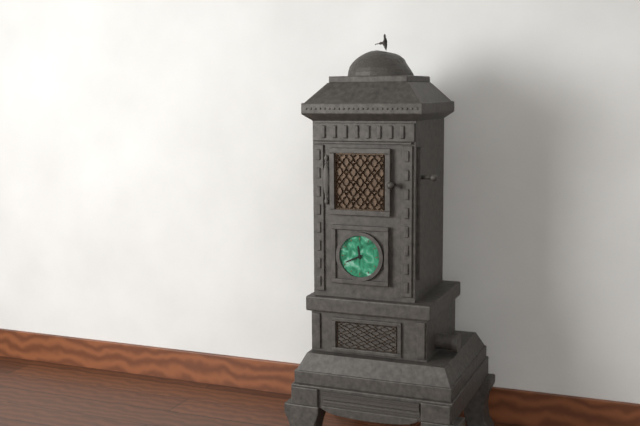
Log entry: 11:41
